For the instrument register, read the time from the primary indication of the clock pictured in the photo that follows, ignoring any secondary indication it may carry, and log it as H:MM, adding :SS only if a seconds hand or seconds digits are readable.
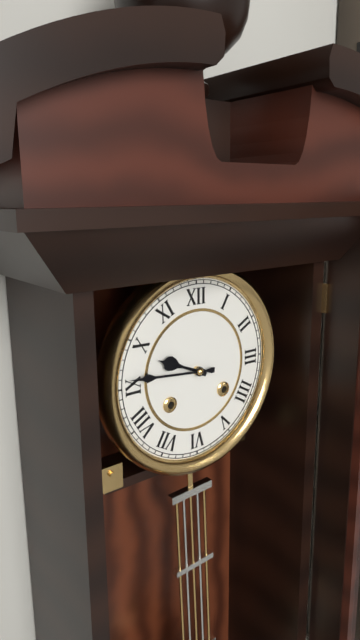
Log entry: 9:46
